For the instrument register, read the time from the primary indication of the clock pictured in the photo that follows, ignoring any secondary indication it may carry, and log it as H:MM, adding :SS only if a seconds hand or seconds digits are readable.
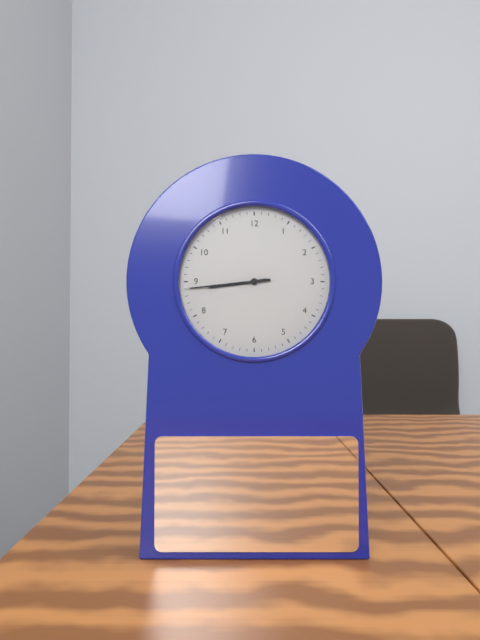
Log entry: 8:44
